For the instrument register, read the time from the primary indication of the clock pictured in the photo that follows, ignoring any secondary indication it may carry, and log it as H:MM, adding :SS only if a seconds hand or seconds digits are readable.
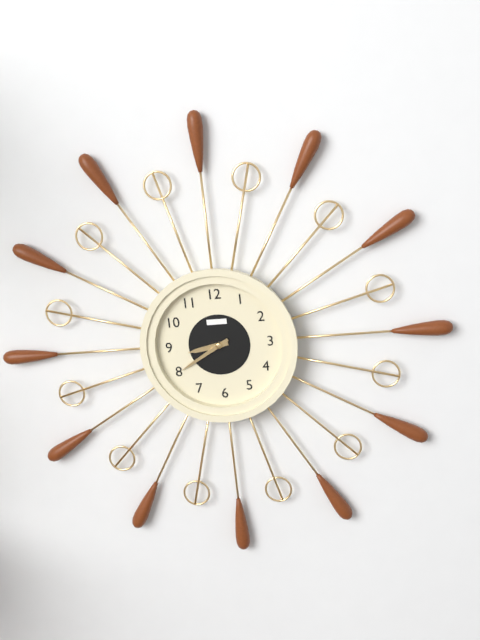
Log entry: 8:40
